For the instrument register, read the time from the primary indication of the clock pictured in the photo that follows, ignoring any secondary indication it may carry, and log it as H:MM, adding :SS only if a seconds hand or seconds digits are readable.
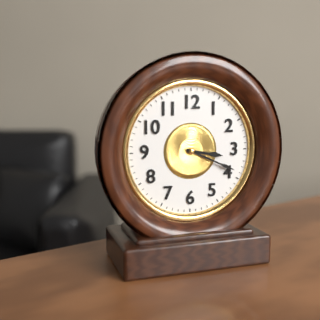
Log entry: 3:19
